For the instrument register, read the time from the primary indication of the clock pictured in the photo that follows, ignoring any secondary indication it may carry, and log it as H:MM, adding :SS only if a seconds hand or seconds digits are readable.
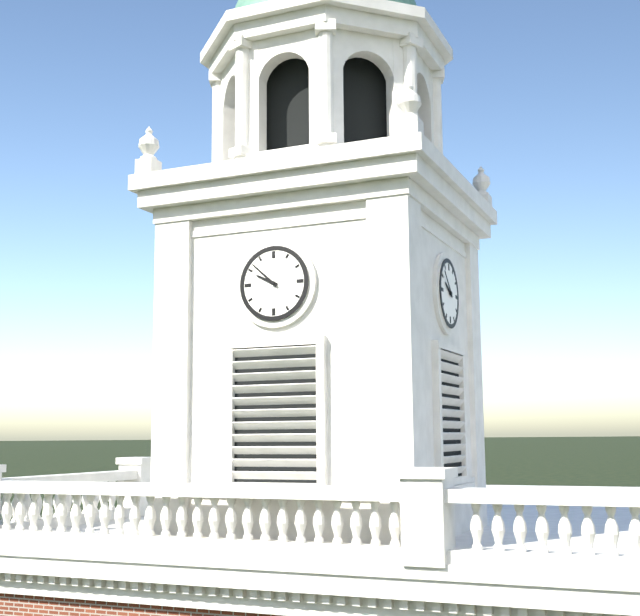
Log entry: 9:52
